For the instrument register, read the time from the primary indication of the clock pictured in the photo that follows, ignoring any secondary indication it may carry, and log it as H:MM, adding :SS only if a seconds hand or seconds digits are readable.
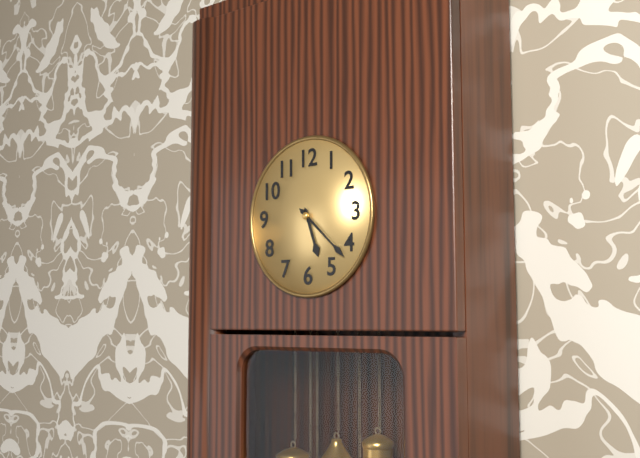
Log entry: 5:22
